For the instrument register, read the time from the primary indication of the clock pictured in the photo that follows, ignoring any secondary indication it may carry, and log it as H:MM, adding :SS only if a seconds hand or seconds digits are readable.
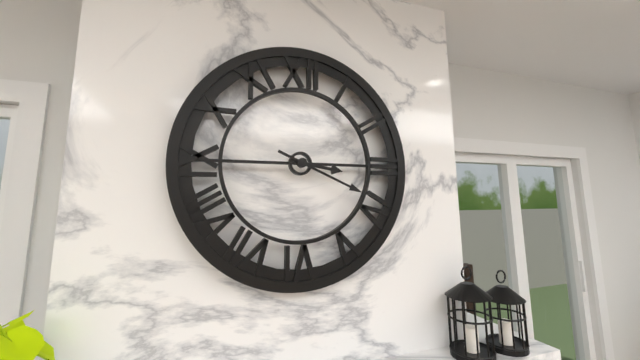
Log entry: 3:19
